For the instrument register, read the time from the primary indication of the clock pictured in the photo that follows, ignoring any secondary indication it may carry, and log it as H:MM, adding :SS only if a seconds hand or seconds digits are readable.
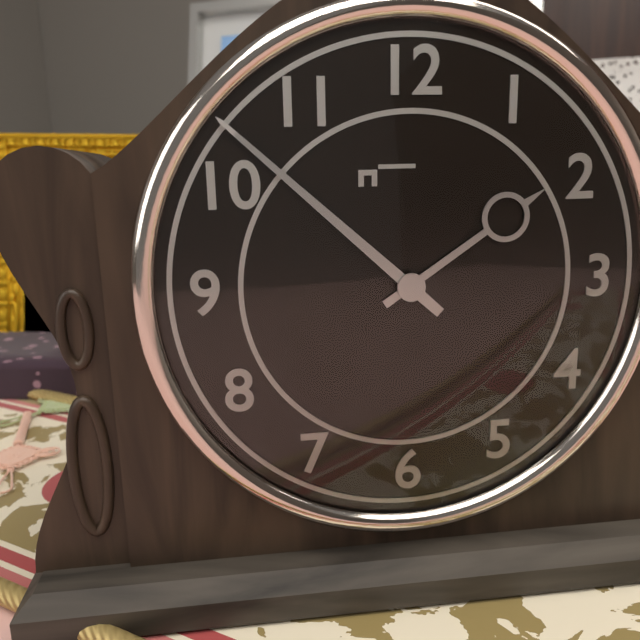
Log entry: 1:52
